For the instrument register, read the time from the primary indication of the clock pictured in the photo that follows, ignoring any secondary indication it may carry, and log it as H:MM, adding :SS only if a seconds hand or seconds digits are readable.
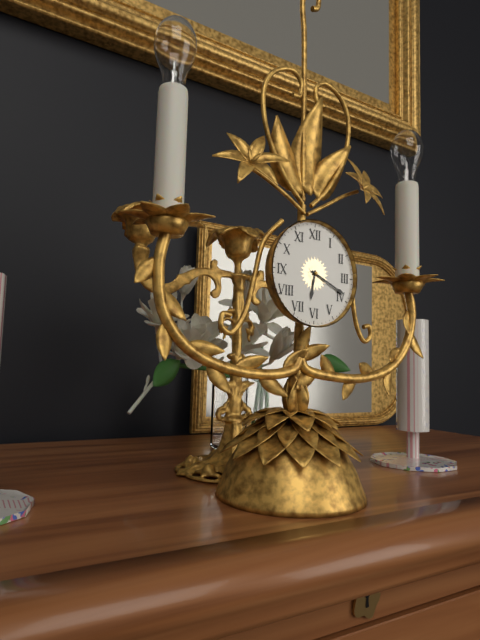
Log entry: 6:19
